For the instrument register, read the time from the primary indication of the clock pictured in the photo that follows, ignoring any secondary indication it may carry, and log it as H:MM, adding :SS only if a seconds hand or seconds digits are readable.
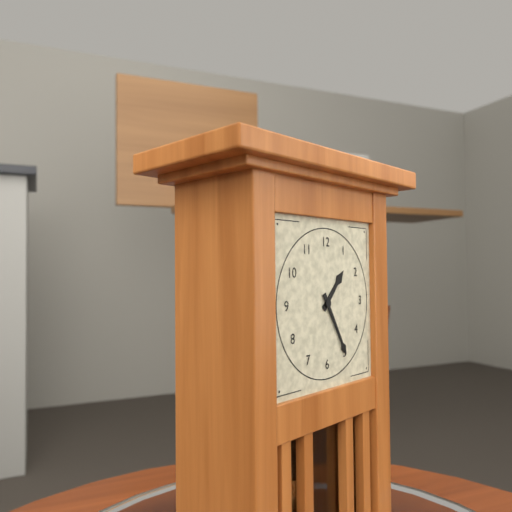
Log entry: 1:25
